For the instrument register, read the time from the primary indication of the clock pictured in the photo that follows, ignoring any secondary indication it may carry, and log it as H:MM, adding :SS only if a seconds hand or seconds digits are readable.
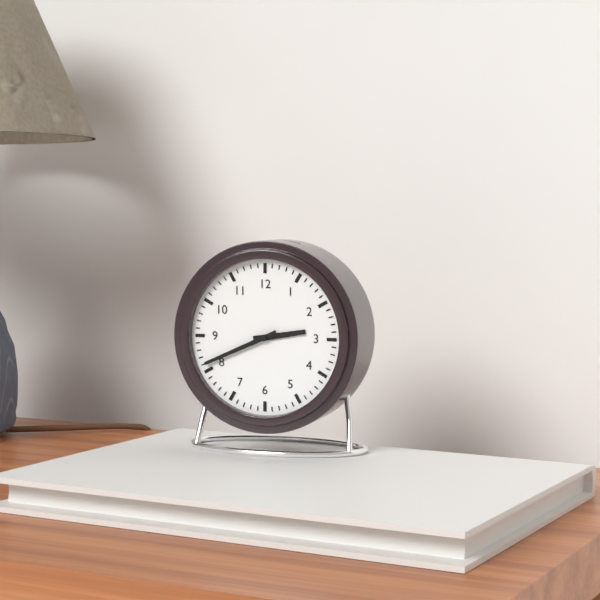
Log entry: 2:41
